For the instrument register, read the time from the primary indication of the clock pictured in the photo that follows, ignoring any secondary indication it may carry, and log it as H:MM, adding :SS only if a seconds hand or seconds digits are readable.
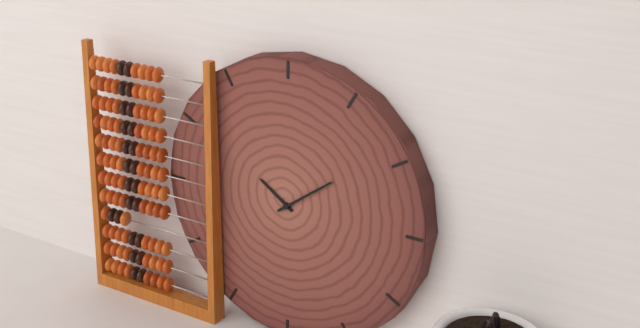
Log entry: 10:09
